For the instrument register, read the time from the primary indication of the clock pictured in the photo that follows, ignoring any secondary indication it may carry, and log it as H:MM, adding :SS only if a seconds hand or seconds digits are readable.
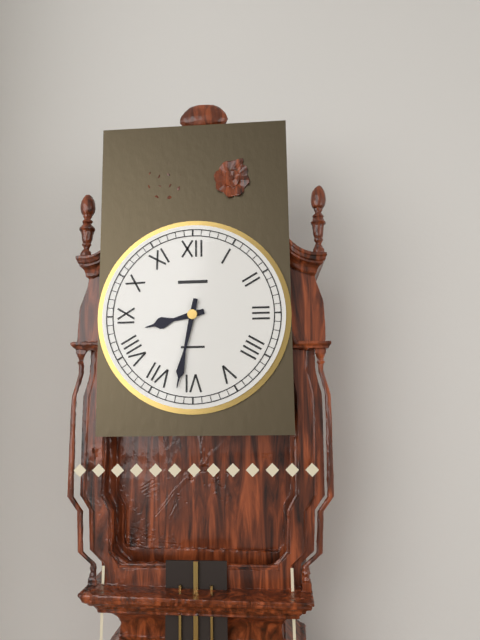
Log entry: 8:32
